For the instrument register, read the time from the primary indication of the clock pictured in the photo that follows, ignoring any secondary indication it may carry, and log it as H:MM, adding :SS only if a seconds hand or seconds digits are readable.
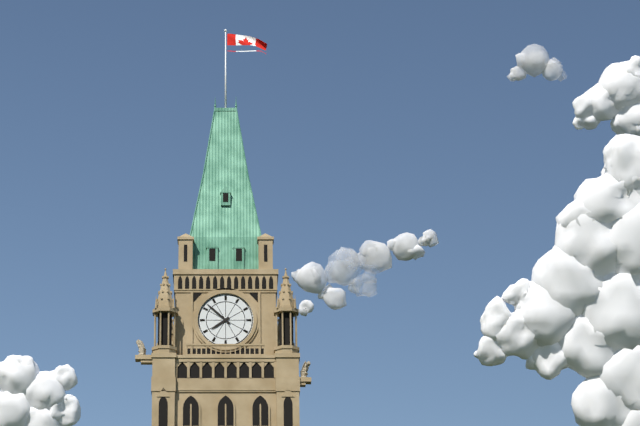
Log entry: 7:52
